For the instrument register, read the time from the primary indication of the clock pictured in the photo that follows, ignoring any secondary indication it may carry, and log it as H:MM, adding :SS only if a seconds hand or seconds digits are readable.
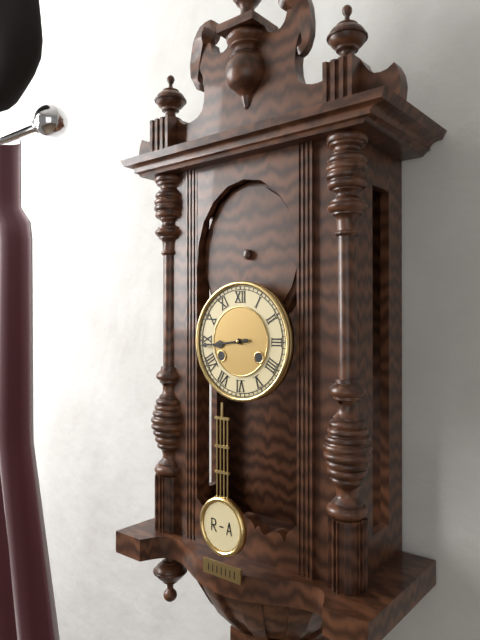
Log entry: 8:44
